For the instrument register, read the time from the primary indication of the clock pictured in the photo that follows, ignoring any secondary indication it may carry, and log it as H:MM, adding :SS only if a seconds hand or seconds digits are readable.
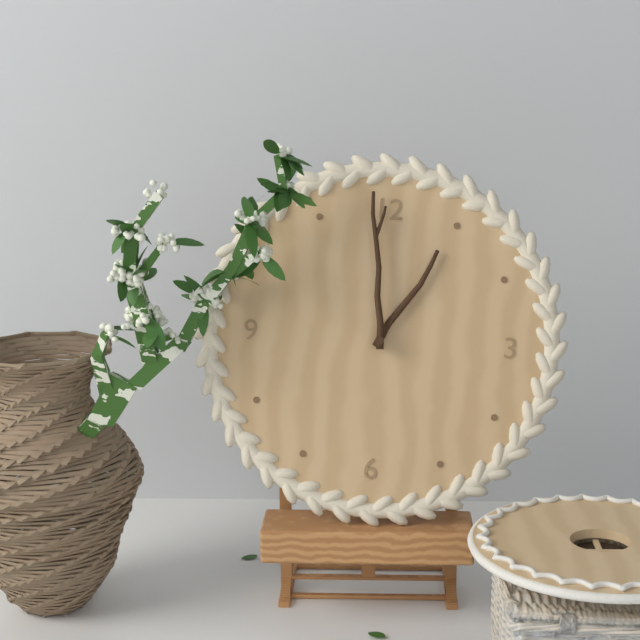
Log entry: 12:59
